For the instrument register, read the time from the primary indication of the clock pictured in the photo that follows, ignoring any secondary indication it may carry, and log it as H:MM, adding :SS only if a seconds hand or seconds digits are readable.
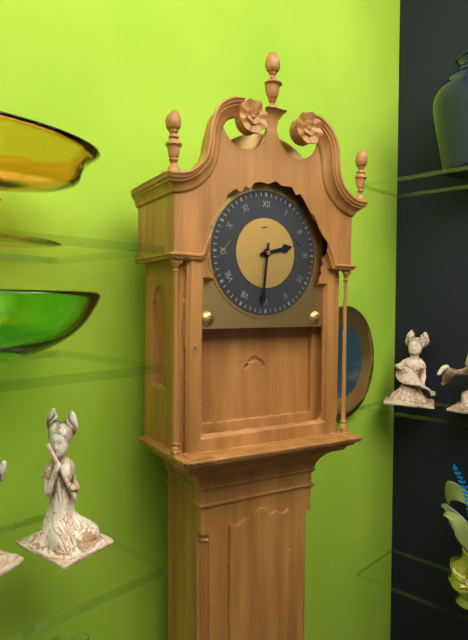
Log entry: 2:31
